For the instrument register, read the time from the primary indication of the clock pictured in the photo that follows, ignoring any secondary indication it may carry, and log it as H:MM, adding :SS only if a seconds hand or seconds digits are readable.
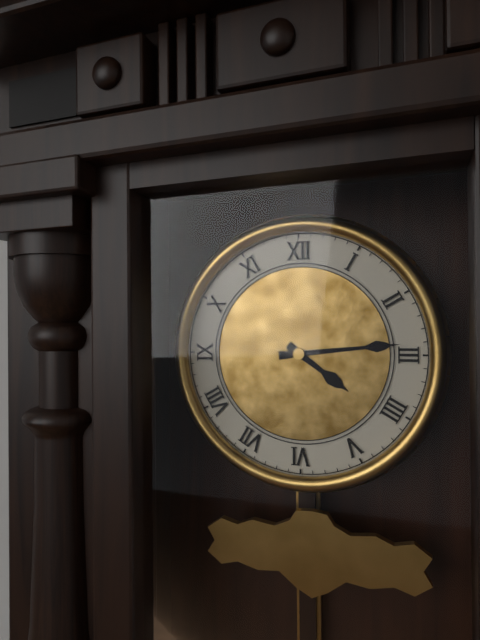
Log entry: 4:14
